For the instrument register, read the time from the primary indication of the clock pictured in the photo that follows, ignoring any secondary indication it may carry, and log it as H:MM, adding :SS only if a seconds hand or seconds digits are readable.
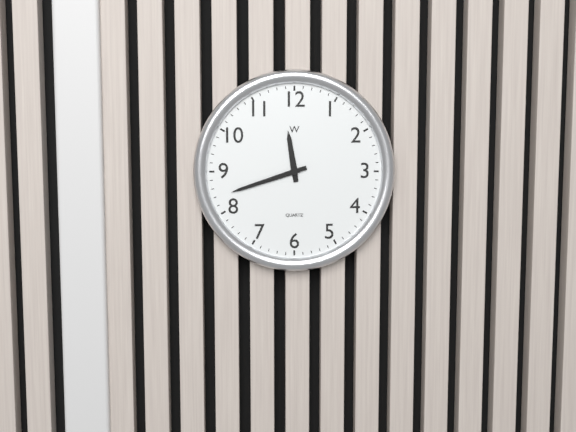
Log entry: 11:42
